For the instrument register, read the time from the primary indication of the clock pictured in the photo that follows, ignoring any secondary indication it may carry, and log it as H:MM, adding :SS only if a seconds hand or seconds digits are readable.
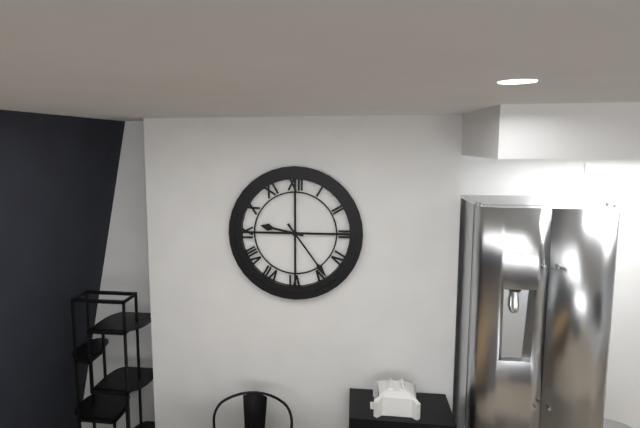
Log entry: 9:24
